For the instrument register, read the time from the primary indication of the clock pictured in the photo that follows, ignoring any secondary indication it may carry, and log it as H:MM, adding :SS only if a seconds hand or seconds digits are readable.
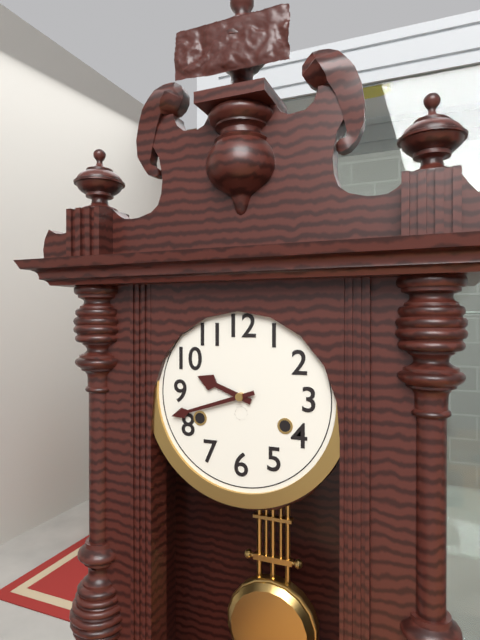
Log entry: 9:42
